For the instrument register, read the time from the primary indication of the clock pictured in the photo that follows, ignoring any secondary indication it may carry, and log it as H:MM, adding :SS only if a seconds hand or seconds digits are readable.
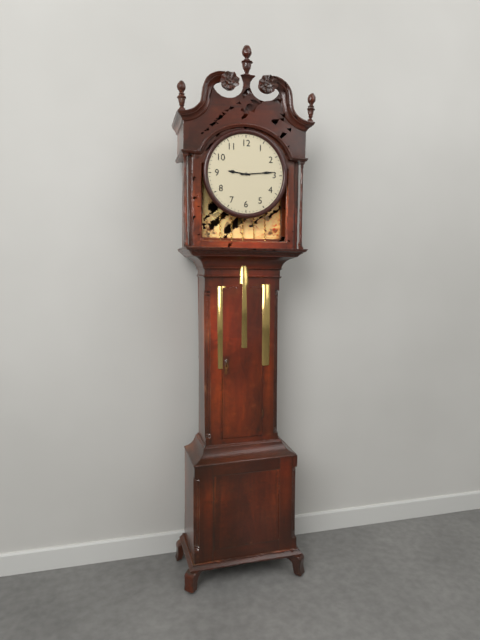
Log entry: 9:14
